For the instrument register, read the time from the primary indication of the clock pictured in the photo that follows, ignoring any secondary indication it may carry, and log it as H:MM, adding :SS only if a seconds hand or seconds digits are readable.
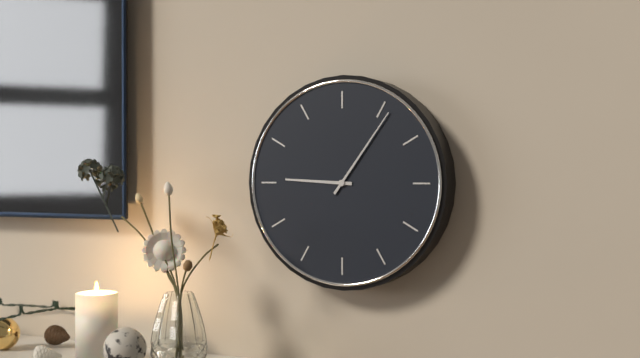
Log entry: 9:06
